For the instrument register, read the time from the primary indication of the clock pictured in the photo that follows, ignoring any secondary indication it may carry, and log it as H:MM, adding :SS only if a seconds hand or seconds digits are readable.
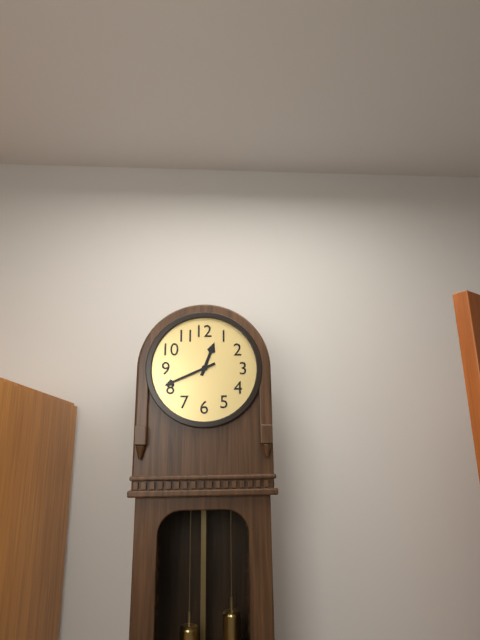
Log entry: 12:41
